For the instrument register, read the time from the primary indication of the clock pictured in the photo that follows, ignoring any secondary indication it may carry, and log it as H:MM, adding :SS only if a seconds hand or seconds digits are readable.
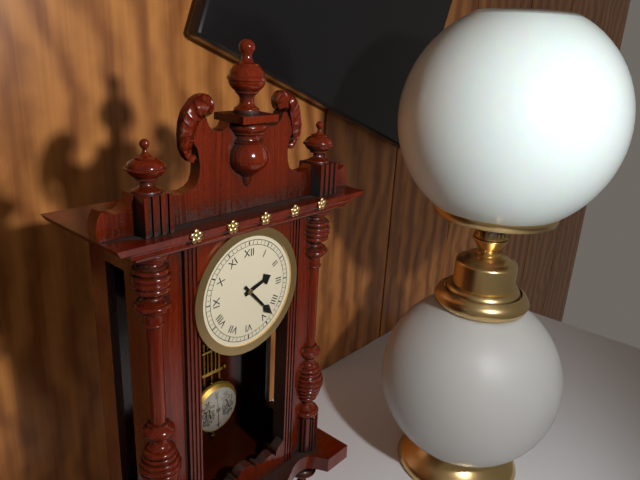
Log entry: 2:23
